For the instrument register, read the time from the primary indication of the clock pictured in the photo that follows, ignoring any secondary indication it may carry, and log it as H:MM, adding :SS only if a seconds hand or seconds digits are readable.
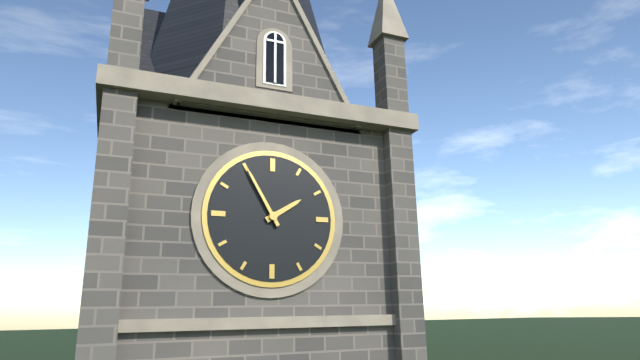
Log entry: 1:55
